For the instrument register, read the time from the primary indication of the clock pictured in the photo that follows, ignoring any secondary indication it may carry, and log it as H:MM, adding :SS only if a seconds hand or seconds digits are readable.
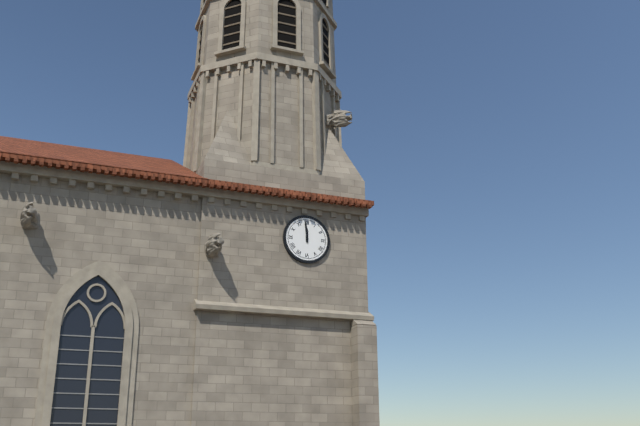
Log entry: 11:59
